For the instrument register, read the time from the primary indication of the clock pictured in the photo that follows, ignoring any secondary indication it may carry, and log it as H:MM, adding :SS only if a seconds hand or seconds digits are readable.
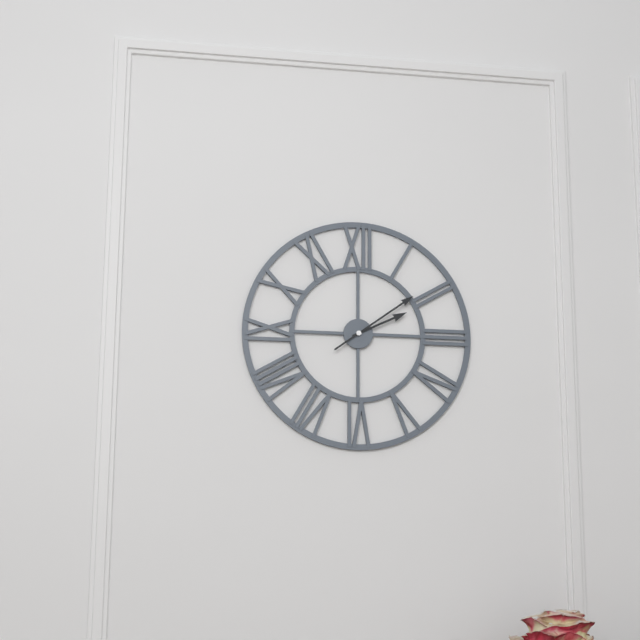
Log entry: 2:09
